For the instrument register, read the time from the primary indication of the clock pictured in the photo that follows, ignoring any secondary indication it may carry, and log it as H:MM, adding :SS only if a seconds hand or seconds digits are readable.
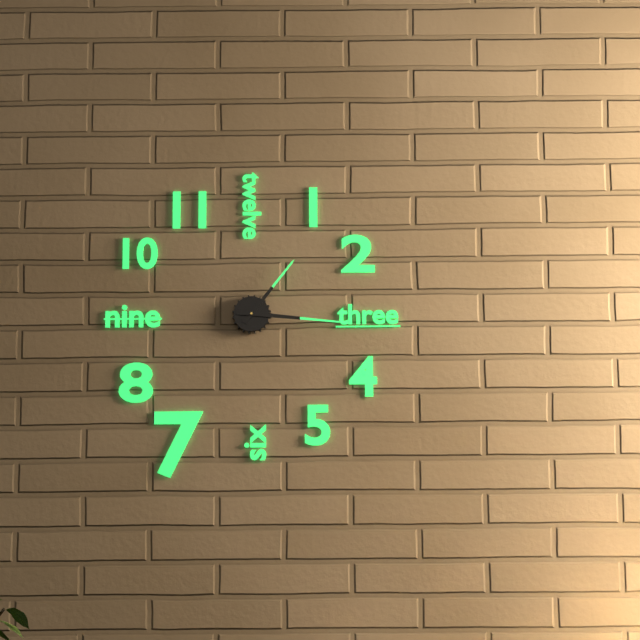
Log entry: 1:16
